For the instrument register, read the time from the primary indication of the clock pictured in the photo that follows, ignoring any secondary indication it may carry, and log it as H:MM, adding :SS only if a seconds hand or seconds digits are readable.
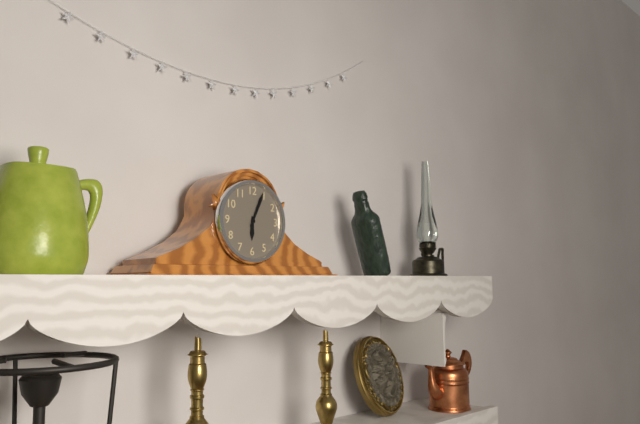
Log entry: 6:04
